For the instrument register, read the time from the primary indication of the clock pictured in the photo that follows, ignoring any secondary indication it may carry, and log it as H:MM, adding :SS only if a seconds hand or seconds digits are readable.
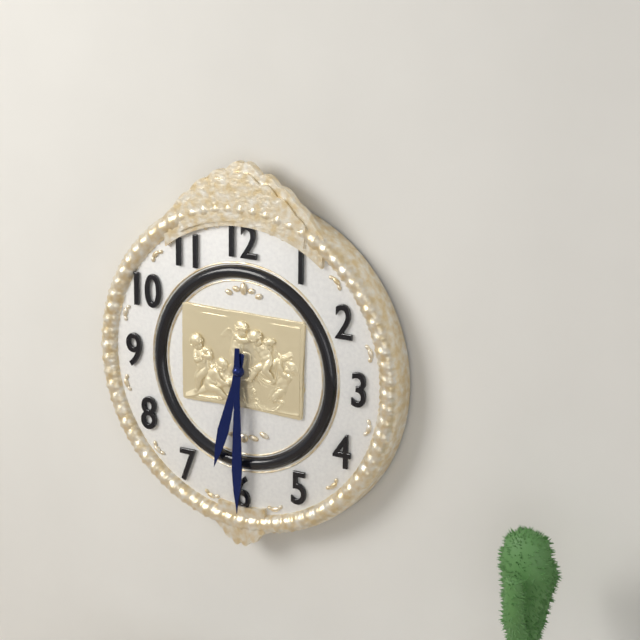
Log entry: 6:30
